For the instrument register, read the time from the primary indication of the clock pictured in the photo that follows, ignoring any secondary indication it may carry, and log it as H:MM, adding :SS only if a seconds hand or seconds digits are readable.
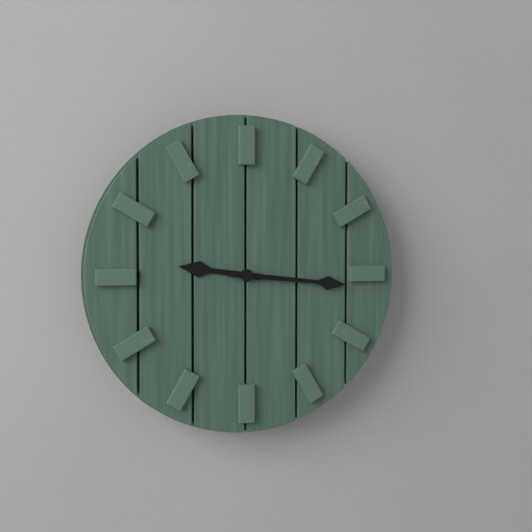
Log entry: 9:16
